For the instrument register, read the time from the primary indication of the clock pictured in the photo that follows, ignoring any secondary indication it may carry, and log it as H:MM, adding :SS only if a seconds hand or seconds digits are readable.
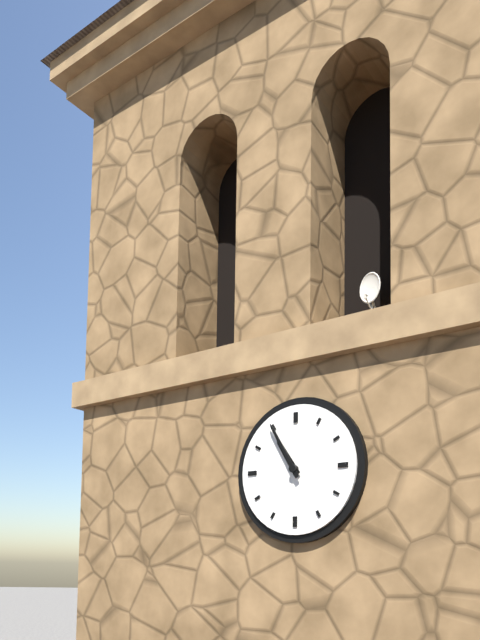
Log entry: 10:55
